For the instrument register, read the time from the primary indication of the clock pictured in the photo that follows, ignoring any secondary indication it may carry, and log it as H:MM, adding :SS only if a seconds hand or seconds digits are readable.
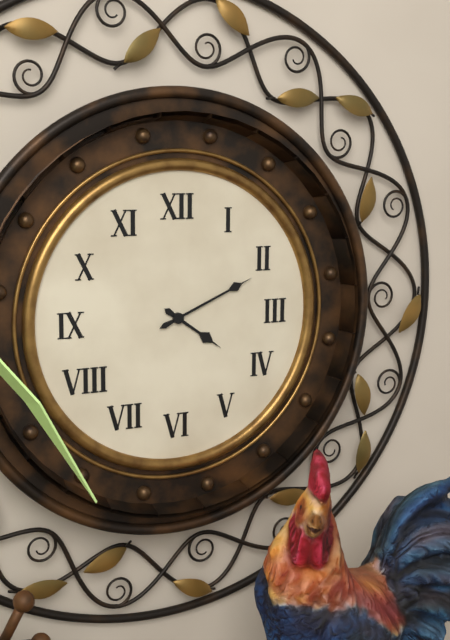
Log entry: 4:11
